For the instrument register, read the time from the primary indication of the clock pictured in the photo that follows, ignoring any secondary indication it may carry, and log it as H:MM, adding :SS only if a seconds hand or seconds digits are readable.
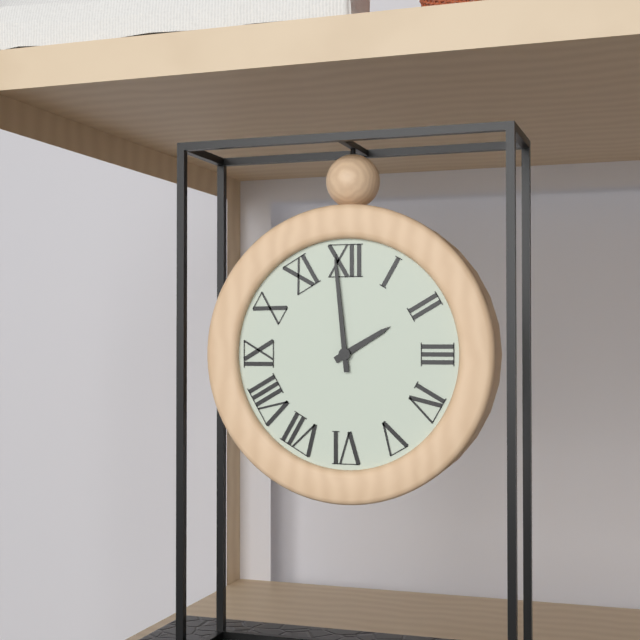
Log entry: 1:59
